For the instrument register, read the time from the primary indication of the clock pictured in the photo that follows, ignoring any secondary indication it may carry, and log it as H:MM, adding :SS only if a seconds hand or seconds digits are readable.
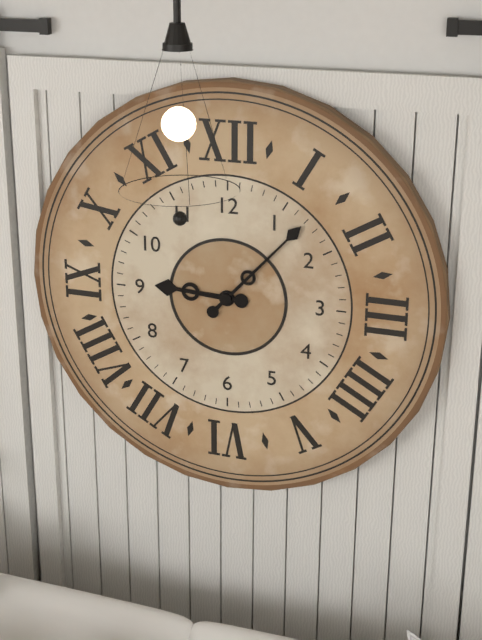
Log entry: 9:07
